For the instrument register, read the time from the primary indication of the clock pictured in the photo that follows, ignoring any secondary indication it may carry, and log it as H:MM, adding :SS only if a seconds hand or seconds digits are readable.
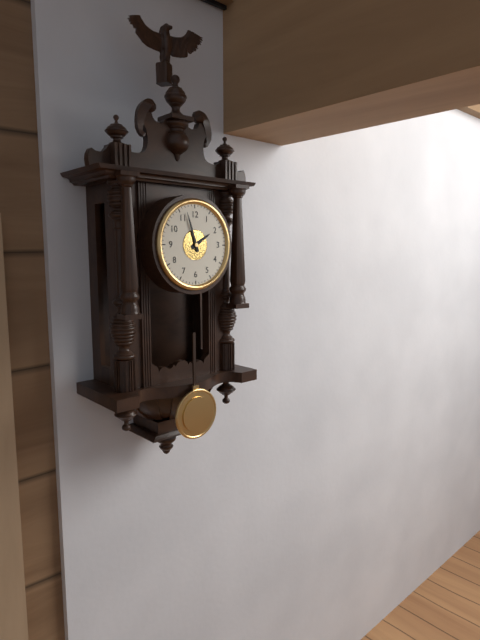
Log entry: 1:57
